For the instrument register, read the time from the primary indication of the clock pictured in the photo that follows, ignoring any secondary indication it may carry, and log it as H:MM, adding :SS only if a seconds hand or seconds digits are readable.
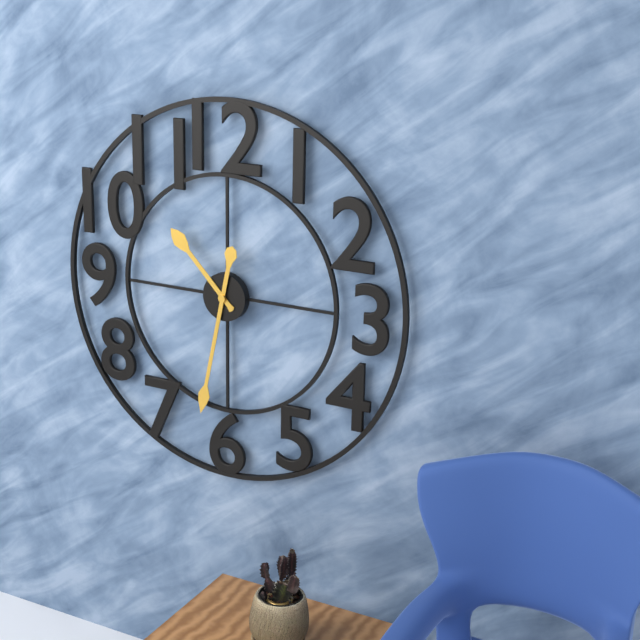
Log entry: 10:32
